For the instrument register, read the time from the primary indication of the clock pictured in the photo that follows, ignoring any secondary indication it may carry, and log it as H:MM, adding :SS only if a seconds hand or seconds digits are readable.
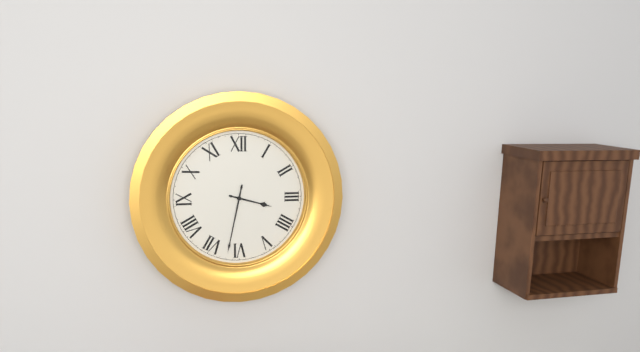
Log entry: 3:32
